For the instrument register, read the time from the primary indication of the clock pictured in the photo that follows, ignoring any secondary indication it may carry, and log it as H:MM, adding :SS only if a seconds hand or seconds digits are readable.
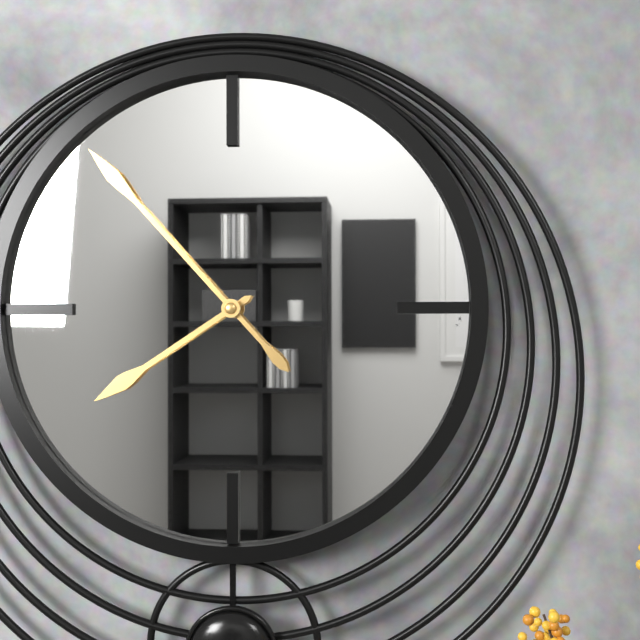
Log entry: 7:53
